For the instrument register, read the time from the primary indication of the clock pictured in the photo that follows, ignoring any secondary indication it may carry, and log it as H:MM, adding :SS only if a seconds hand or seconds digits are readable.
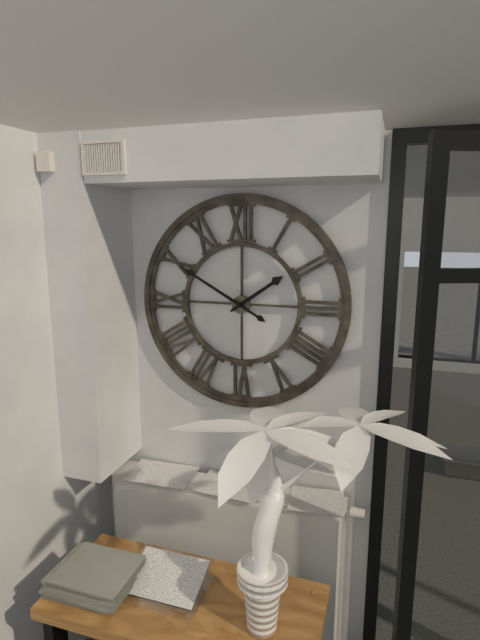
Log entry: 1:50
